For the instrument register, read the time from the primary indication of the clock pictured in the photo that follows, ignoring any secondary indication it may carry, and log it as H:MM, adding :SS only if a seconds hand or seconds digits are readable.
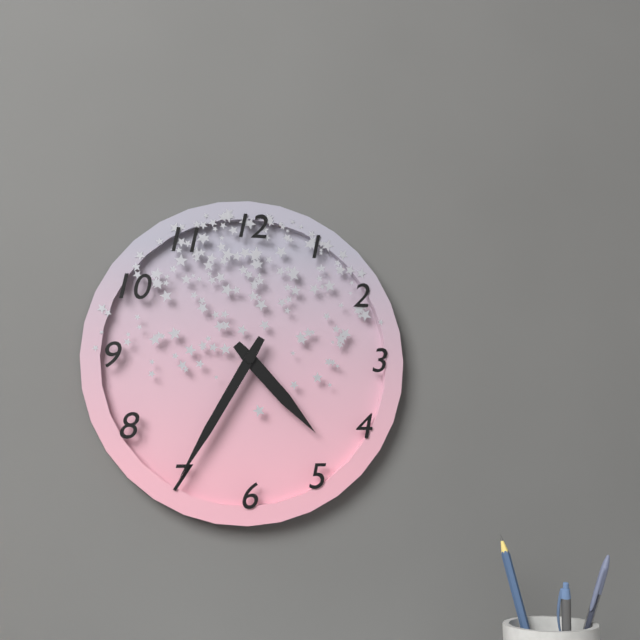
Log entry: 4:35
